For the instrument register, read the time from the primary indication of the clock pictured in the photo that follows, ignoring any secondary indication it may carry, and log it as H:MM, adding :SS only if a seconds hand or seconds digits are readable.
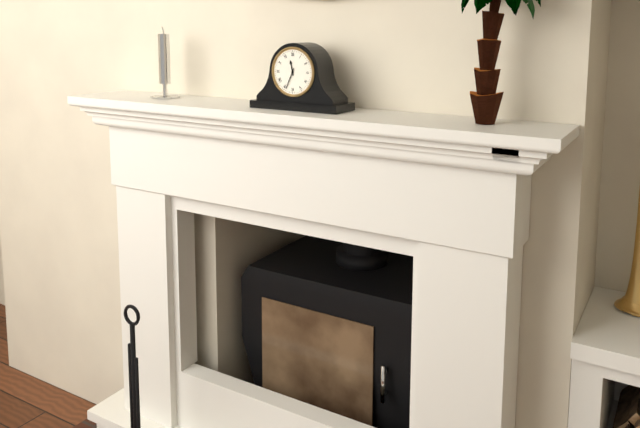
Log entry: 11:34
